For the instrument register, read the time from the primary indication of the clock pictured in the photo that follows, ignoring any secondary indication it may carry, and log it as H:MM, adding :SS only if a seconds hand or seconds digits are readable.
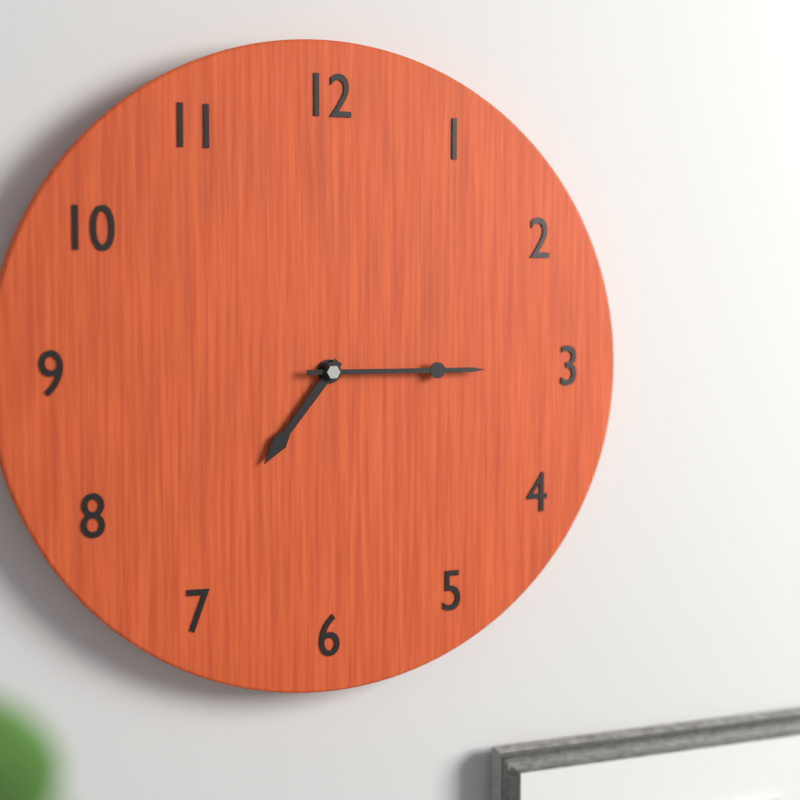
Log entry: 7:15
